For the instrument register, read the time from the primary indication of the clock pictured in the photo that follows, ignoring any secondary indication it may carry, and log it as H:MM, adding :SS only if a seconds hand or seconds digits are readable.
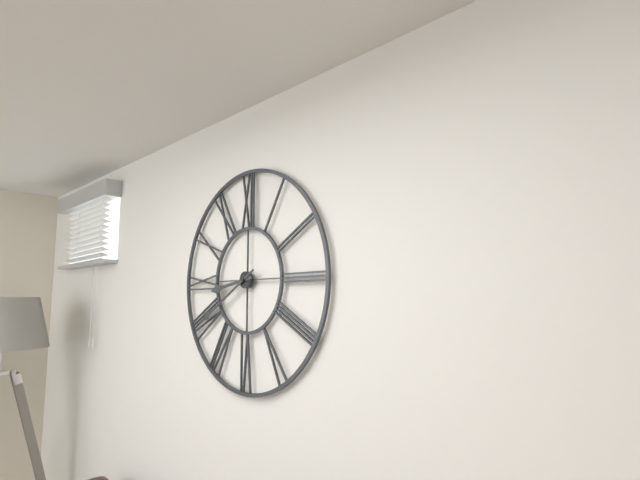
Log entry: 8:40
